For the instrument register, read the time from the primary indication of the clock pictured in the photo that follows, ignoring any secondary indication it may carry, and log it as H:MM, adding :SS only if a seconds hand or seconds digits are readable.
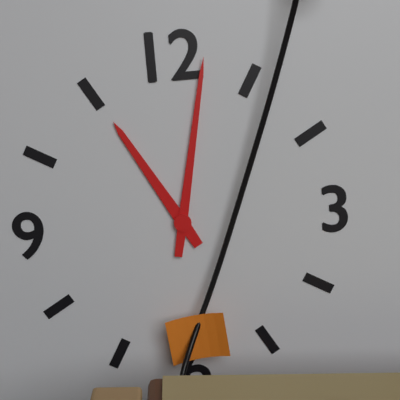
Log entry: 11:02
